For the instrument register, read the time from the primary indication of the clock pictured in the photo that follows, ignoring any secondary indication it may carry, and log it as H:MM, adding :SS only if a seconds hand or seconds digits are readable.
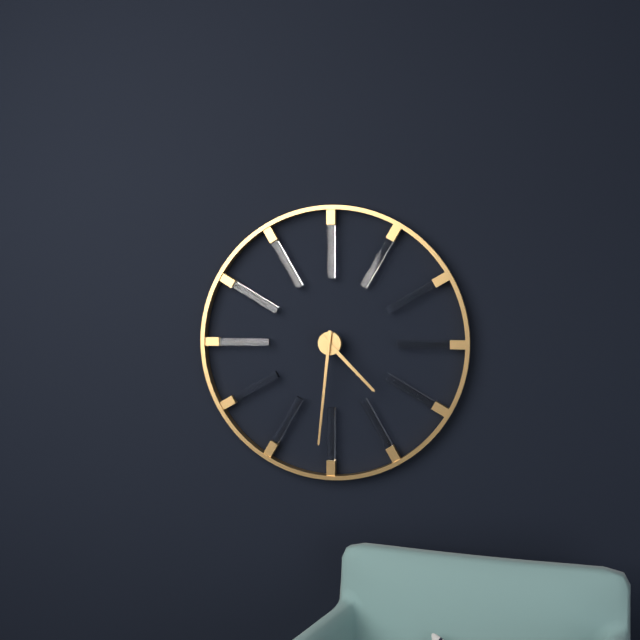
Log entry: 4:31
